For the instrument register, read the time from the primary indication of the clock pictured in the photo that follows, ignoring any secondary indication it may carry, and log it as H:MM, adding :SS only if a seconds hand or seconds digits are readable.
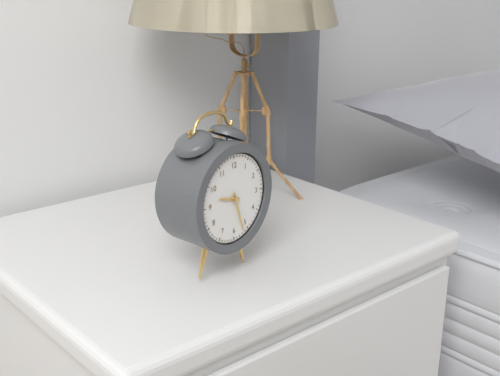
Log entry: 9:27
